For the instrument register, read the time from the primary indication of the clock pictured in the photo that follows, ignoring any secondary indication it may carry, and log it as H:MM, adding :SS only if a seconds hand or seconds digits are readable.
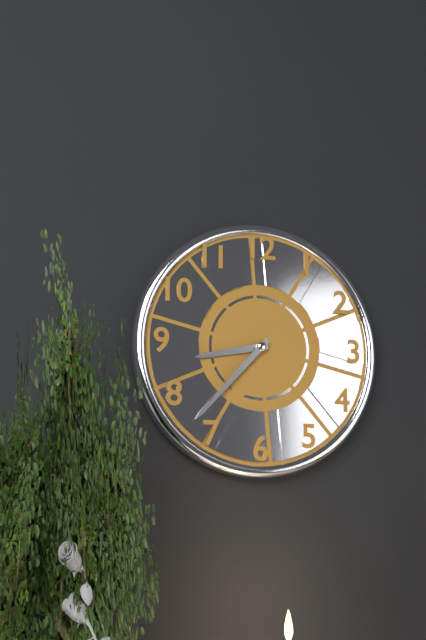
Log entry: 8:37
